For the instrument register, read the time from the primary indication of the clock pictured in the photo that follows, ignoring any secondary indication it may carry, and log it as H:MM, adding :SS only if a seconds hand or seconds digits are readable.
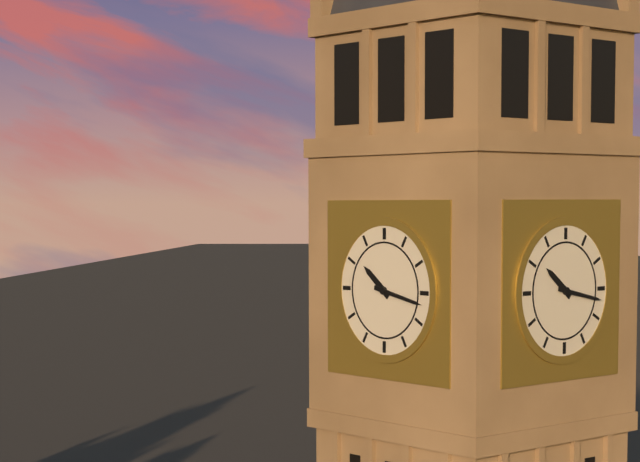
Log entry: 10:17
